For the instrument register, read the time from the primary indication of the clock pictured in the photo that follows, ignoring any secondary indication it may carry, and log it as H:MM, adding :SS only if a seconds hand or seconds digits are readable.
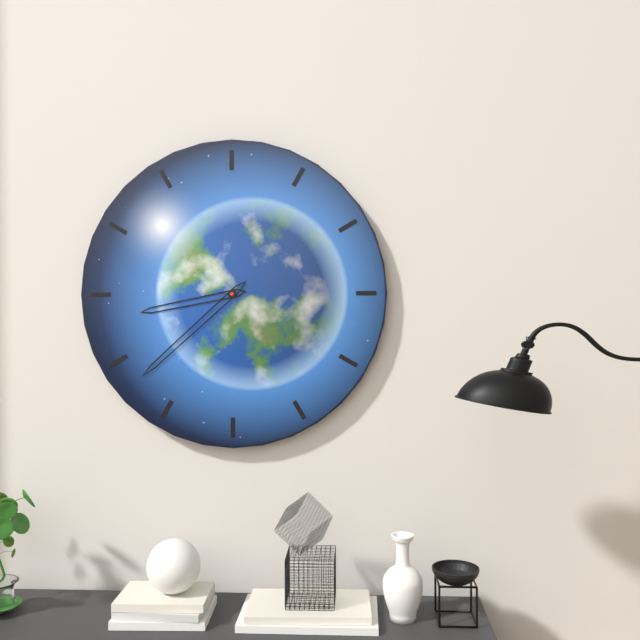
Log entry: 8:38
